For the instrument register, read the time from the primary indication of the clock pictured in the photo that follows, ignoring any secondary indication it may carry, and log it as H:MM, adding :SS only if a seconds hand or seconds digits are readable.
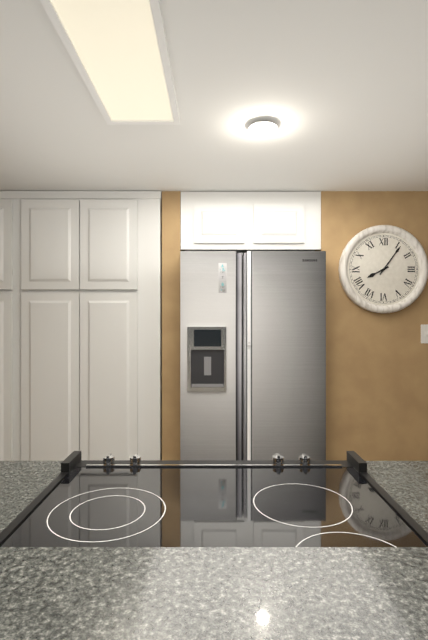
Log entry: 8:06
